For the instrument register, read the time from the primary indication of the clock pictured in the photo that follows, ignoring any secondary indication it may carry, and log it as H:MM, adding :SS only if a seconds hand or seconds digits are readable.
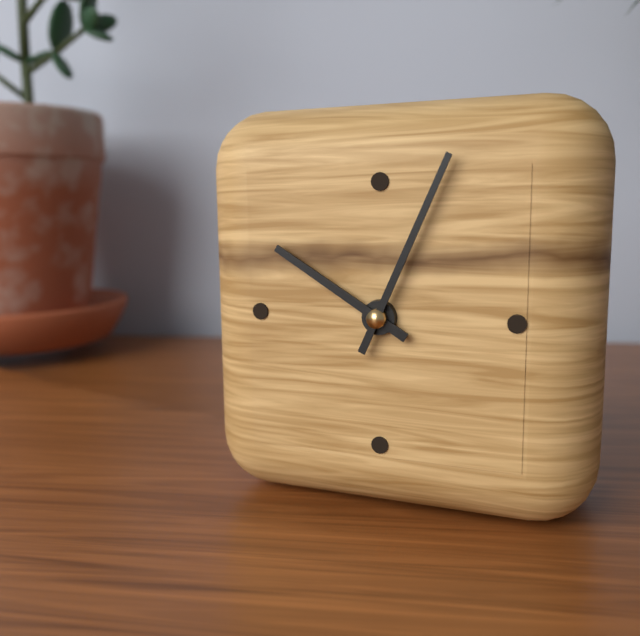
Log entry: 10:04
